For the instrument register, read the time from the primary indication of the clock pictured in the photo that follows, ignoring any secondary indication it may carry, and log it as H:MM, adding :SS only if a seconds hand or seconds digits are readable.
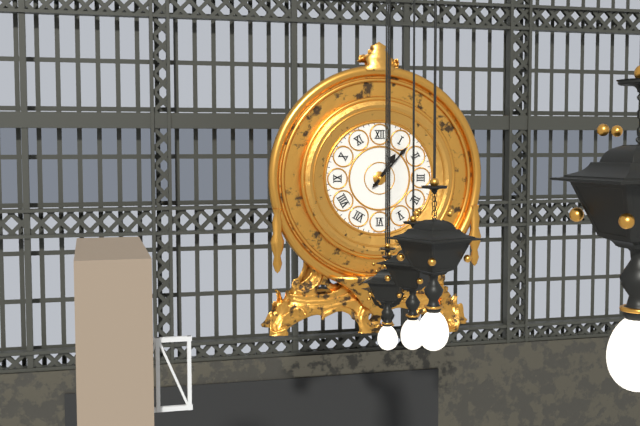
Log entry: 1:07
